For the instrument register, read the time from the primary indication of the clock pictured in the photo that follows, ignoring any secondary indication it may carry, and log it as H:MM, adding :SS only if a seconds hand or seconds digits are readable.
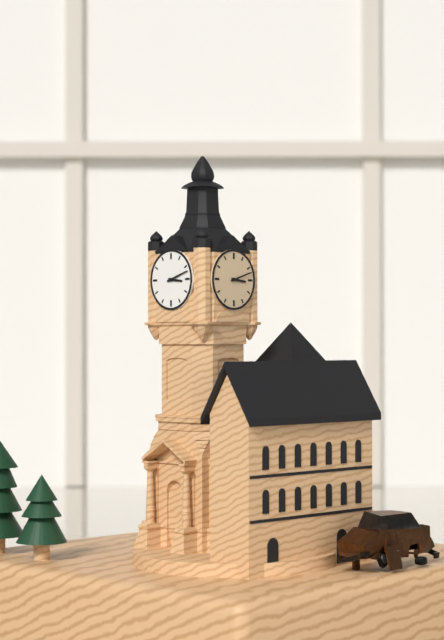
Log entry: 3:12
